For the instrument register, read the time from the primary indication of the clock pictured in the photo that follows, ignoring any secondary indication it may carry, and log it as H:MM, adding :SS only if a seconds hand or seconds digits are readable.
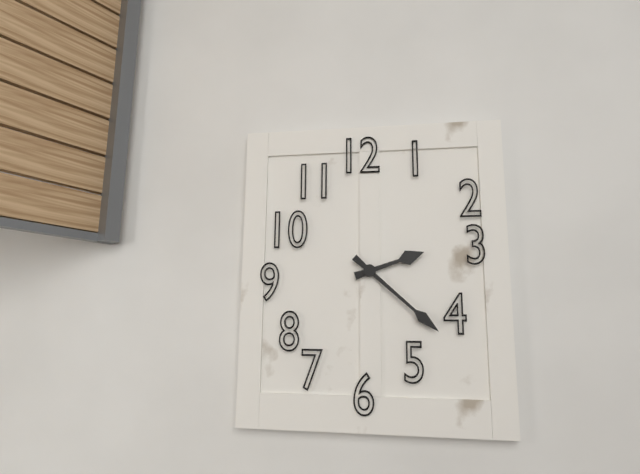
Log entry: 2:22
